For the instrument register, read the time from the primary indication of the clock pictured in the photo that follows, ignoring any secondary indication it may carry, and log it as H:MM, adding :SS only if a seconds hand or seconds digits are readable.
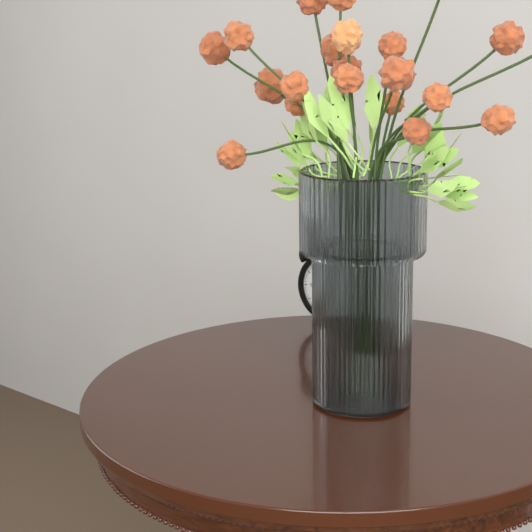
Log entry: 4:07
